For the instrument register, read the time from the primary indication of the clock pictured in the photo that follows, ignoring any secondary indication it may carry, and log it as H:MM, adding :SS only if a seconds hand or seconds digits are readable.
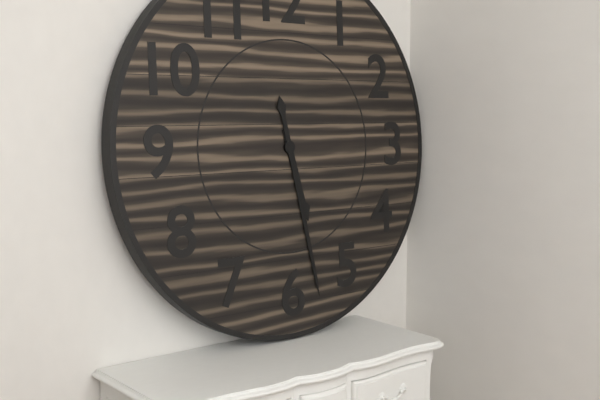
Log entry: 5:28
